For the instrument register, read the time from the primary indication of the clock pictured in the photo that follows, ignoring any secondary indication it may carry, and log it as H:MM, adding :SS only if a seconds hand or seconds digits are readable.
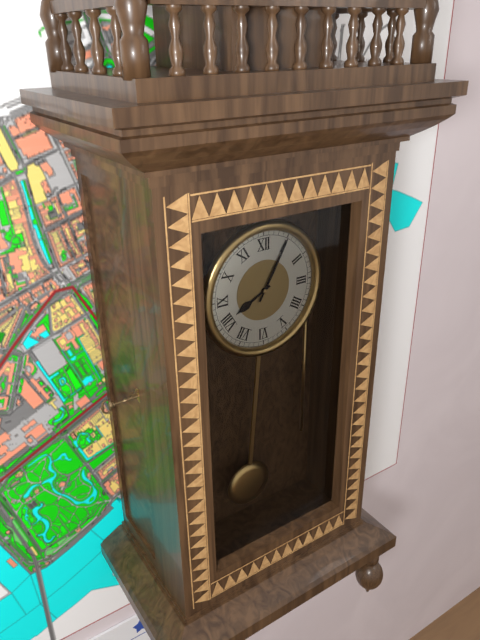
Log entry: 8:05
